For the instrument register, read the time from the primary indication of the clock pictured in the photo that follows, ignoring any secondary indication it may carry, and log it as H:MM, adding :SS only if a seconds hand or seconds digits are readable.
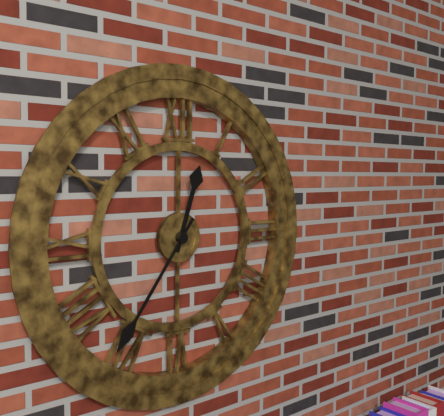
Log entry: 12:36
